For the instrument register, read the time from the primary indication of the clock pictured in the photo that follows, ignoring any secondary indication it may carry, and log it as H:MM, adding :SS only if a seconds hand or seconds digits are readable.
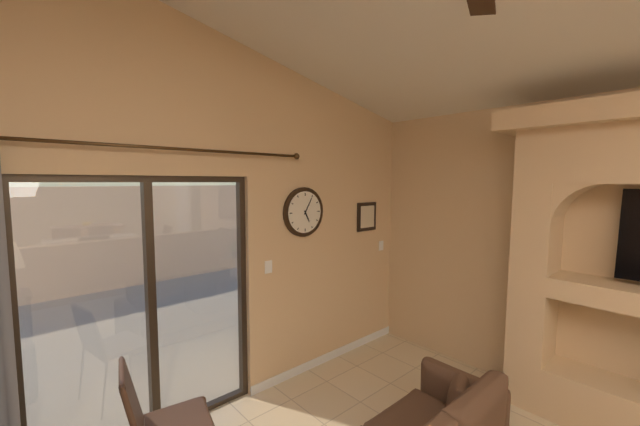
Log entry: 5:05
